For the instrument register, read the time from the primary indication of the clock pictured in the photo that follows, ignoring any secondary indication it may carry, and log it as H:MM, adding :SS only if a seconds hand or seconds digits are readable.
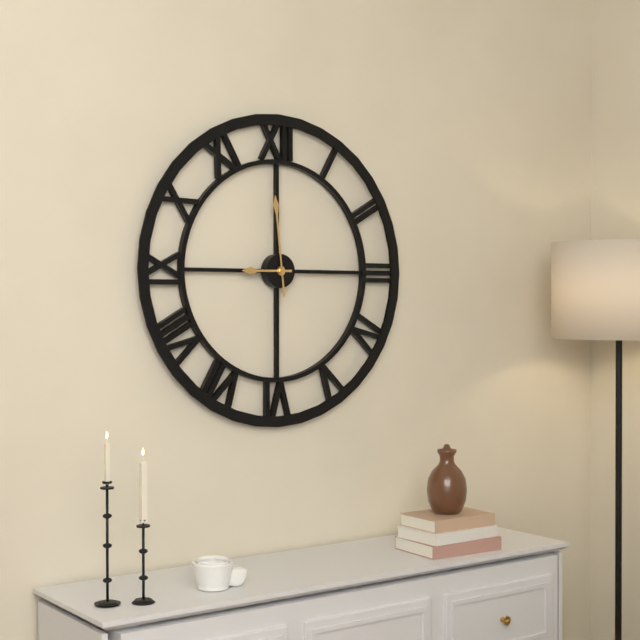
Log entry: 8:59
